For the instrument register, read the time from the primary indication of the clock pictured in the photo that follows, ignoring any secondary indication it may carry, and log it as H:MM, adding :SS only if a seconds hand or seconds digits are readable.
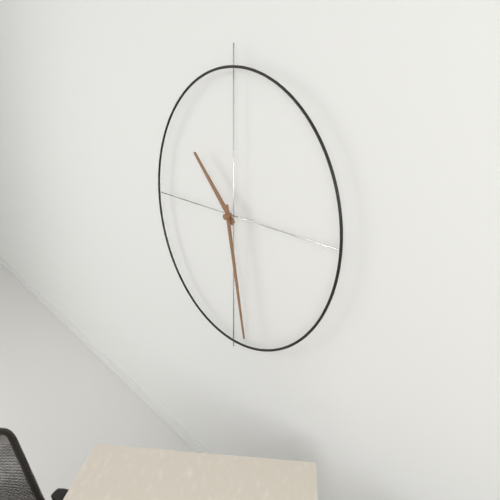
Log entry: 10:28
